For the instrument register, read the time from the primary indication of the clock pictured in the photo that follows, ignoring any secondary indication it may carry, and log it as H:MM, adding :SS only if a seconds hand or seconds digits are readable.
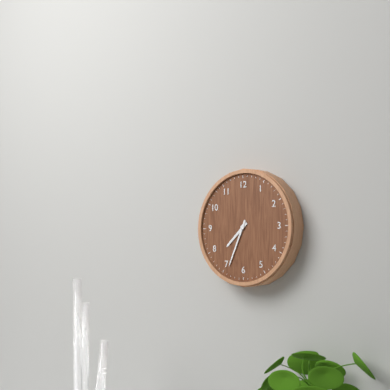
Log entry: 7:34
